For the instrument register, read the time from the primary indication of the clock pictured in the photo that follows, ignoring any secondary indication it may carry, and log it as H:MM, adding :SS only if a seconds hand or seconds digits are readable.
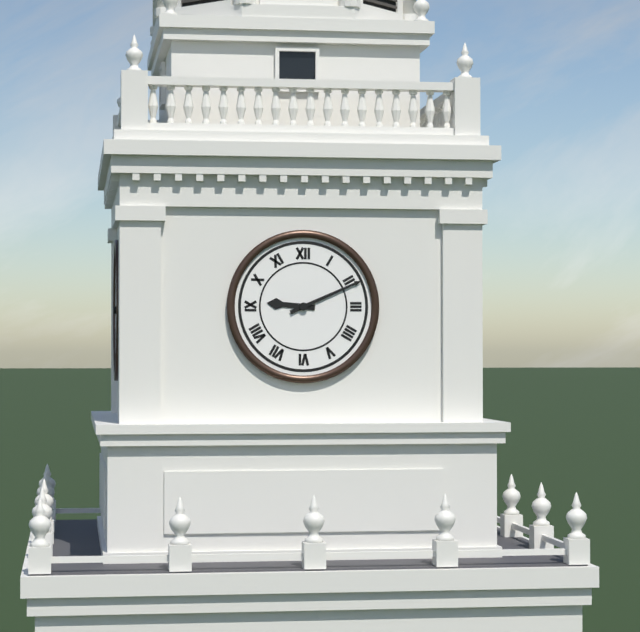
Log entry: 9:11
